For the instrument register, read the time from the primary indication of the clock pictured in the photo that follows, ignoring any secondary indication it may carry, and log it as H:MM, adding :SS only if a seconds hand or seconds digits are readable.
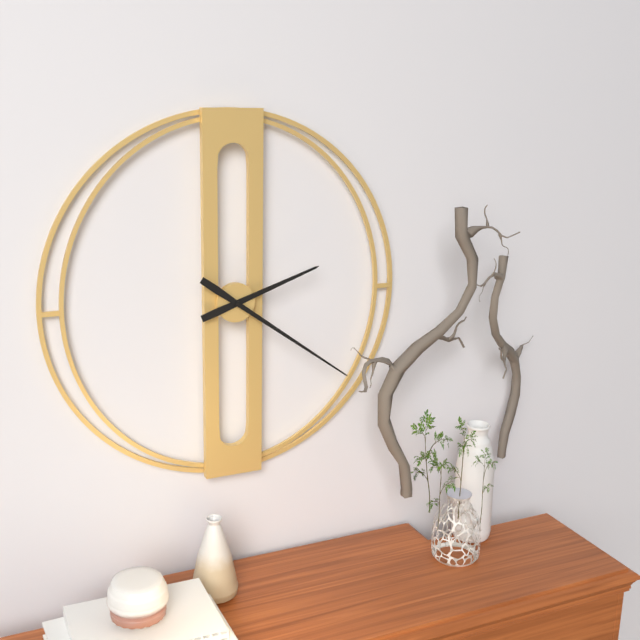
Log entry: 2:21
